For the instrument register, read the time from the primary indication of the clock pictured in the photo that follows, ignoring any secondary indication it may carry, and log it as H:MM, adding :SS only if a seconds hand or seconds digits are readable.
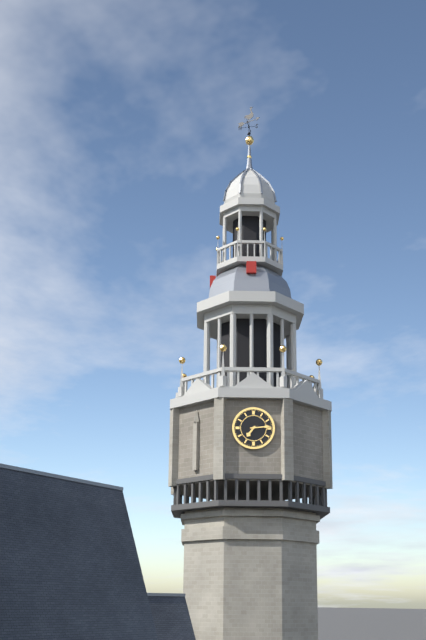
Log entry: 7:14
